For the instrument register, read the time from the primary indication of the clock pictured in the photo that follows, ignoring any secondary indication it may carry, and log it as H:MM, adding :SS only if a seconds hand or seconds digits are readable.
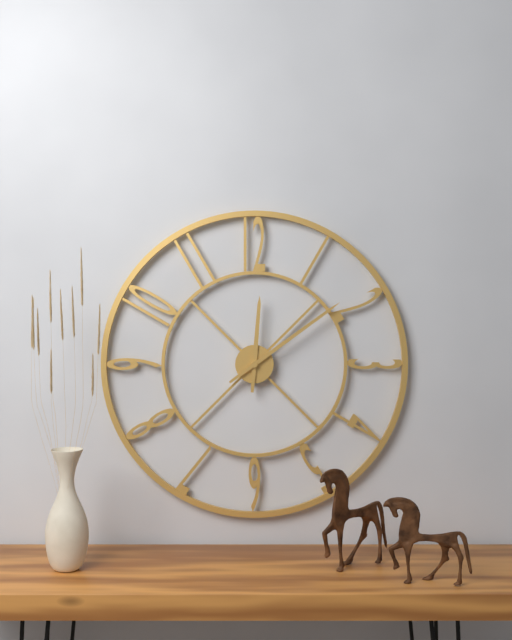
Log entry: 12:09
